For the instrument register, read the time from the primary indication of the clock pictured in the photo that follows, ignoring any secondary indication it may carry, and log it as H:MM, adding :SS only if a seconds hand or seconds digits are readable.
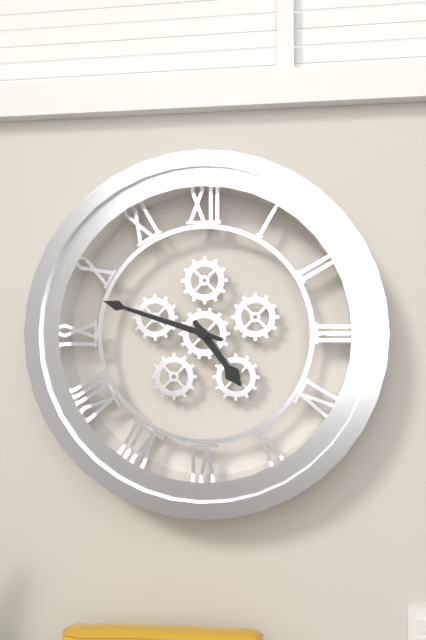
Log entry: 4:48
